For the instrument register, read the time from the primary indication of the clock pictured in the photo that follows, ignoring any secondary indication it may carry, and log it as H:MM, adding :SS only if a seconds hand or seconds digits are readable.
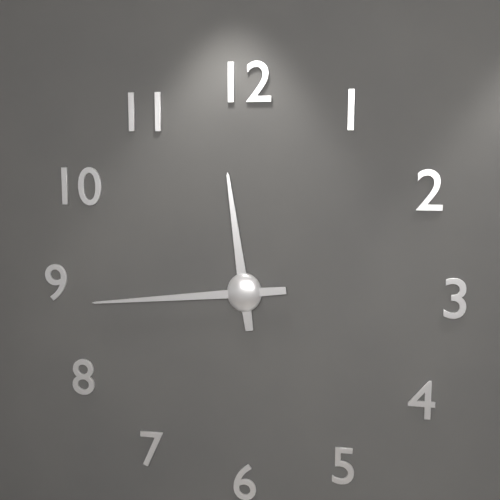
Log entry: 11:44
